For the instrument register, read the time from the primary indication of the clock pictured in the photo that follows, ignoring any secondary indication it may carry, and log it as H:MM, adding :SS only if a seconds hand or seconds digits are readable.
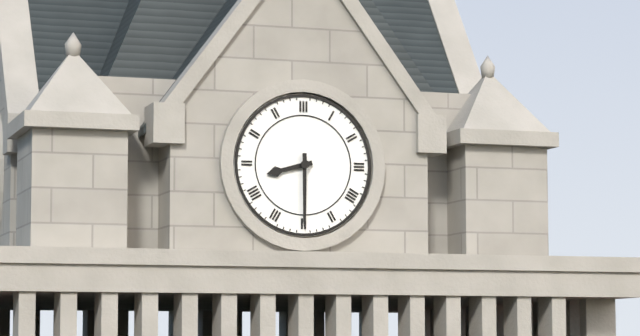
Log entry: 8:30
